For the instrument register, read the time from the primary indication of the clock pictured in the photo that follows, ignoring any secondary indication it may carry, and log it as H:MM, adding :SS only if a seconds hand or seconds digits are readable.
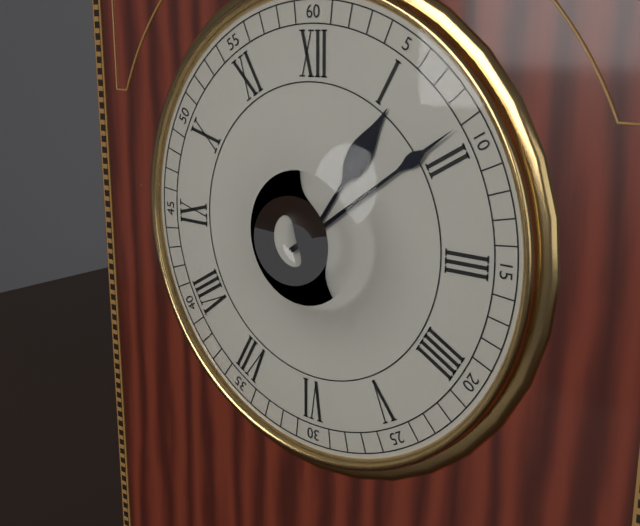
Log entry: 1:09
